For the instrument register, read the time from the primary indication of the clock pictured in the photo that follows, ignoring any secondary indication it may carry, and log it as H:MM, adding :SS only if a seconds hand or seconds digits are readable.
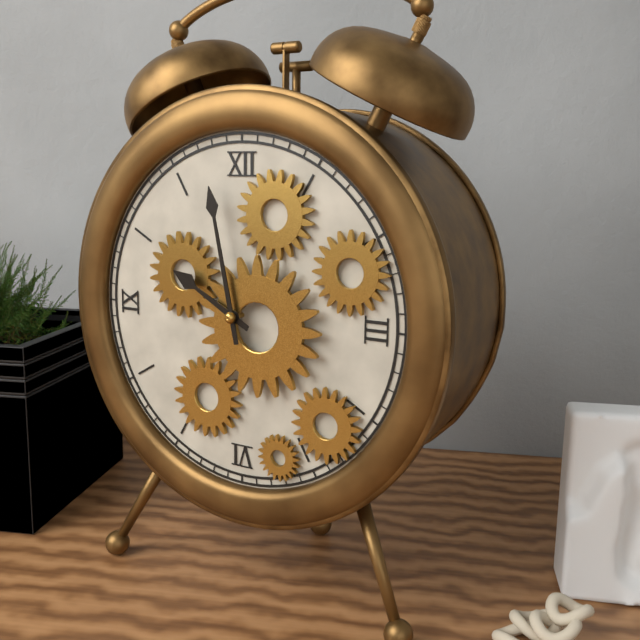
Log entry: 9:58
